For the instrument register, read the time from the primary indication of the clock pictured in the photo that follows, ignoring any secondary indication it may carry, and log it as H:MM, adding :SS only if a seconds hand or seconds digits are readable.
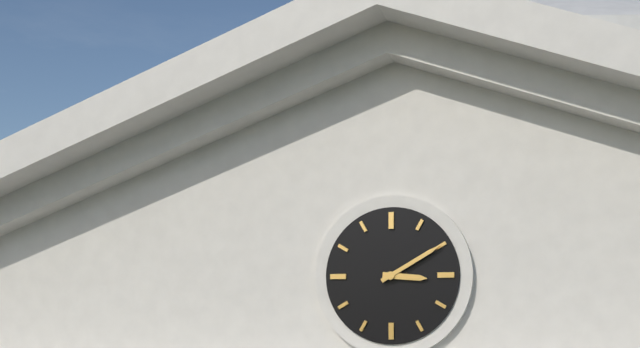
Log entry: 3:10
